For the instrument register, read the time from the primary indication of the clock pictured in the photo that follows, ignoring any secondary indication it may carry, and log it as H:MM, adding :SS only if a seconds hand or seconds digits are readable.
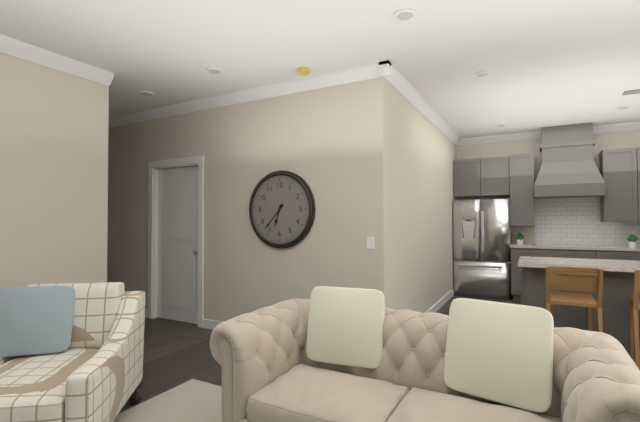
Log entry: 6:37
